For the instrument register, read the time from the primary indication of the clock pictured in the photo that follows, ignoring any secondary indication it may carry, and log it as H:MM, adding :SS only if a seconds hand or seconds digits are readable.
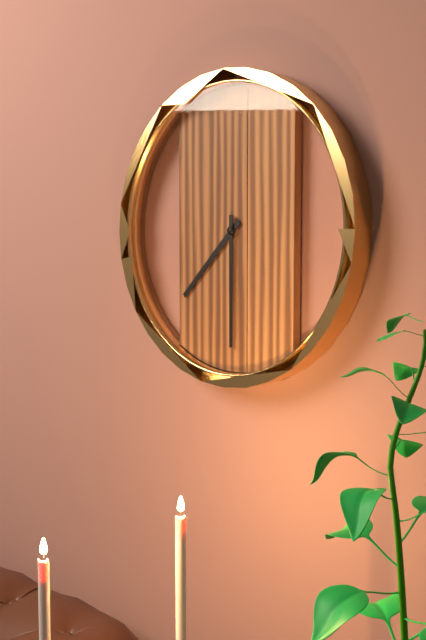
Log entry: 7:30
